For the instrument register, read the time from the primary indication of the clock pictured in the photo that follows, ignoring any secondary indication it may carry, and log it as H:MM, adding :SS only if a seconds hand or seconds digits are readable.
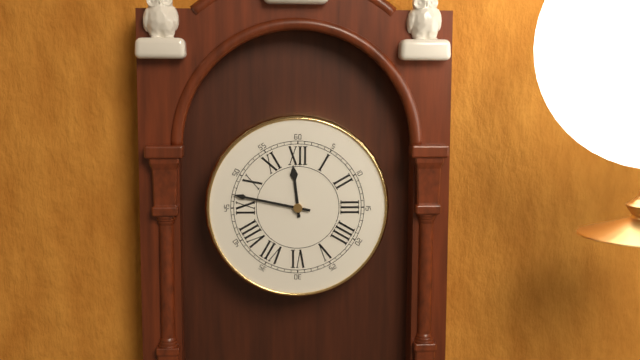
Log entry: 11:47
